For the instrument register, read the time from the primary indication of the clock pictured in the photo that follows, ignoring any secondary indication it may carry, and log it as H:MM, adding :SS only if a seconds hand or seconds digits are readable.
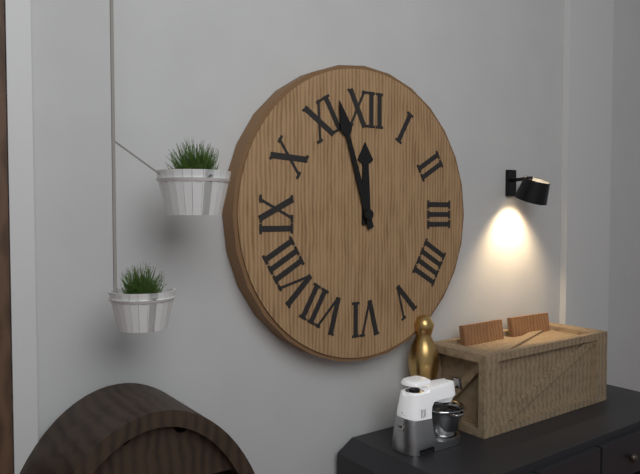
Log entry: 11:57
